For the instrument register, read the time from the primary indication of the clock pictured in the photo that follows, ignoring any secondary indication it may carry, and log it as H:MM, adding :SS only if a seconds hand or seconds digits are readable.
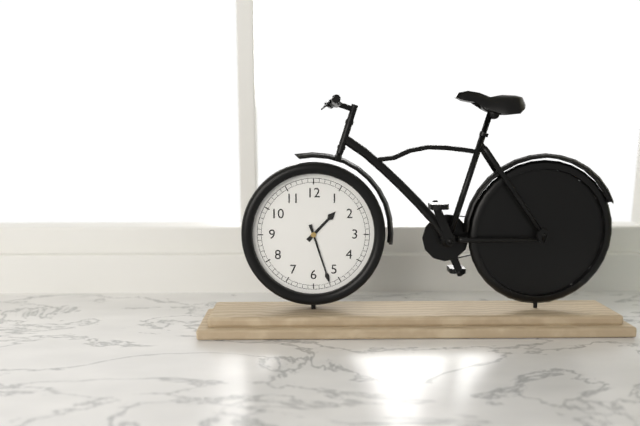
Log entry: 1:27
